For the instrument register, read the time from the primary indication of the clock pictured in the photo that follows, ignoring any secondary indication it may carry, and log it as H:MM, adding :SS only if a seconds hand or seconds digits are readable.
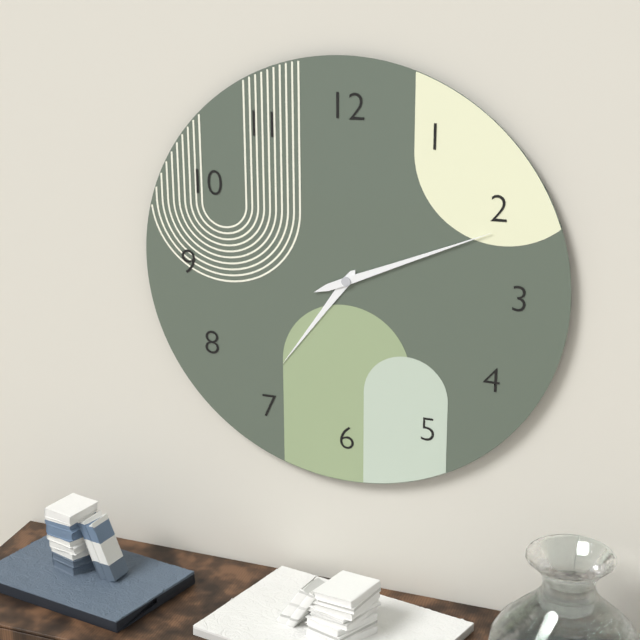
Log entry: 7:11
